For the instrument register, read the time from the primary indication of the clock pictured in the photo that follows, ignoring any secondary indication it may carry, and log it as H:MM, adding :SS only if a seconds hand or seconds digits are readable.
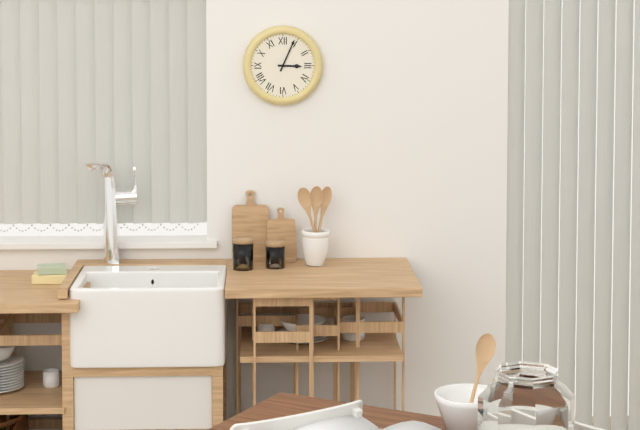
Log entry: 3:04
